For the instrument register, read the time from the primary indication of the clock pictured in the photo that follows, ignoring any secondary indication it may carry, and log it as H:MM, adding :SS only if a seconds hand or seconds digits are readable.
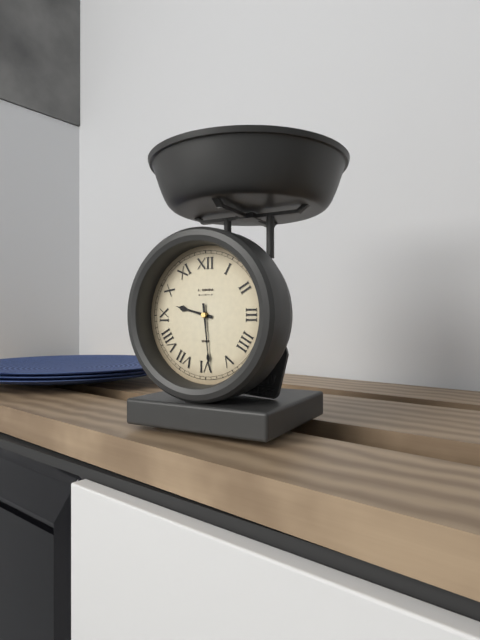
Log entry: 9:29
